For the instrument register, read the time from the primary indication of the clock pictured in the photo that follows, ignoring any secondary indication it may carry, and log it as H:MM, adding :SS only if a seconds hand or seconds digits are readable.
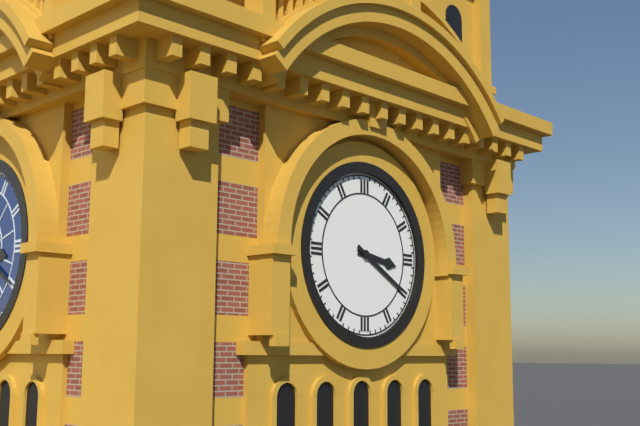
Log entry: 3:20
